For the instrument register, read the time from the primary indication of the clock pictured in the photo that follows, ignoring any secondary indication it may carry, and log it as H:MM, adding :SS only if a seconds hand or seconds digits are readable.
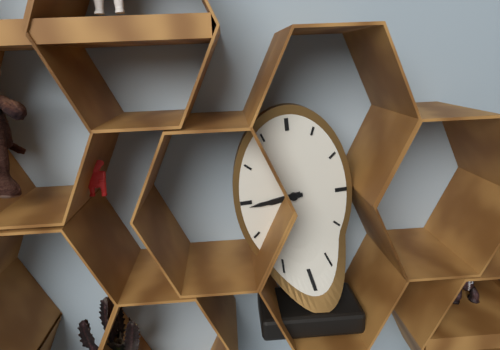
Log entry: 8:44
